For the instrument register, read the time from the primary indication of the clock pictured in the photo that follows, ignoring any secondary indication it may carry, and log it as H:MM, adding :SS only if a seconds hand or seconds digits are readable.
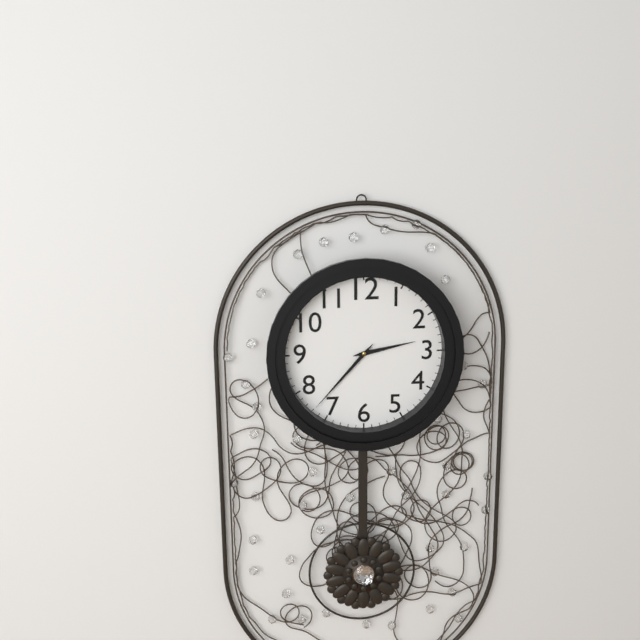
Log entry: 2:37
